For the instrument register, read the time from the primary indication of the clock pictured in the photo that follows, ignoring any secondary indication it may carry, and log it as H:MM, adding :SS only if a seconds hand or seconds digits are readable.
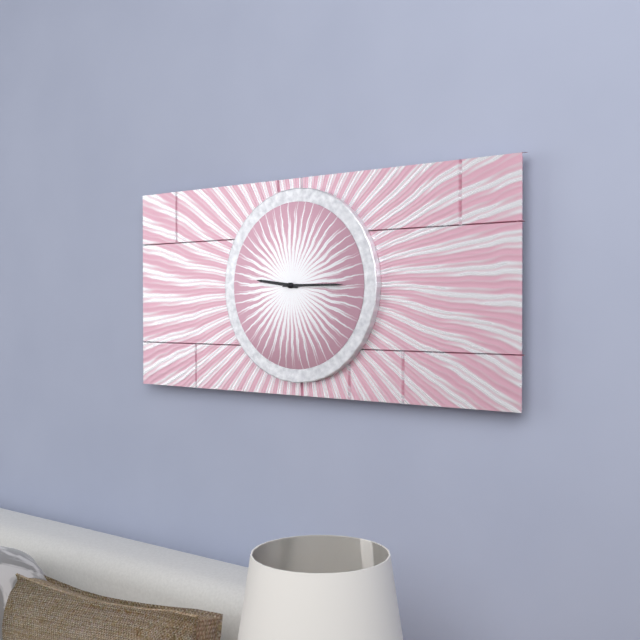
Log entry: 9:15
